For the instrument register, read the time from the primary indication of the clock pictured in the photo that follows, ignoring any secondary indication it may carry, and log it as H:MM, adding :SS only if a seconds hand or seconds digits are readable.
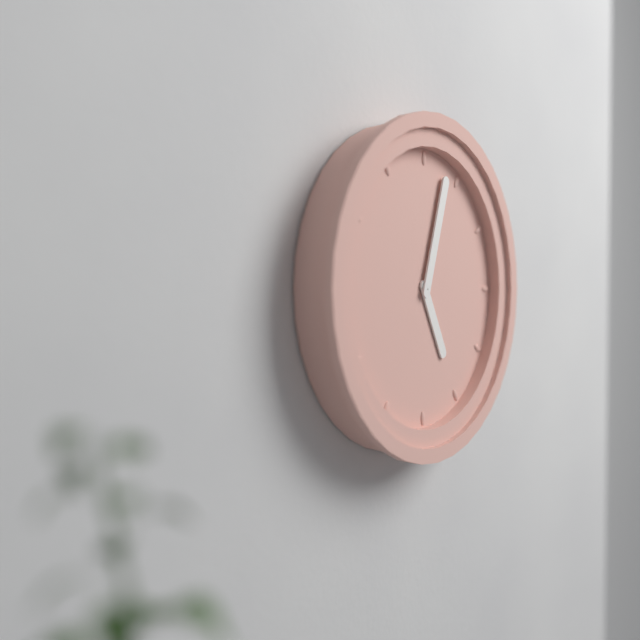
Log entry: 5:03
